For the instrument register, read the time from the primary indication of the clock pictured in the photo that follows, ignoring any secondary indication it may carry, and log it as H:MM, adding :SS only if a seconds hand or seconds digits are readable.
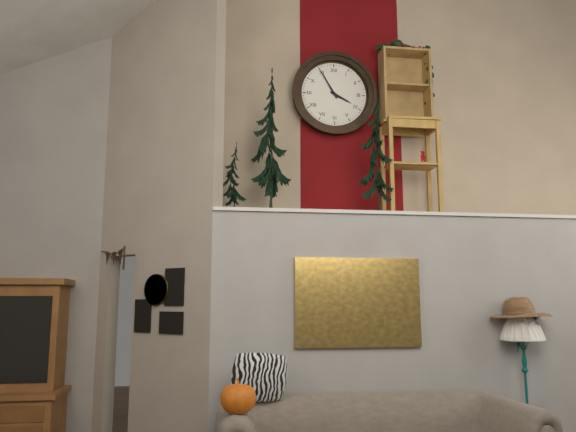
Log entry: 3:55
